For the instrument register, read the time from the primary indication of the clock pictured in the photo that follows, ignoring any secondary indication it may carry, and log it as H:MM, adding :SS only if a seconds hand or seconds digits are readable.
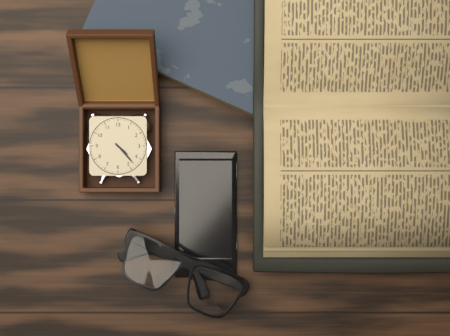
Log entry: 4:23
